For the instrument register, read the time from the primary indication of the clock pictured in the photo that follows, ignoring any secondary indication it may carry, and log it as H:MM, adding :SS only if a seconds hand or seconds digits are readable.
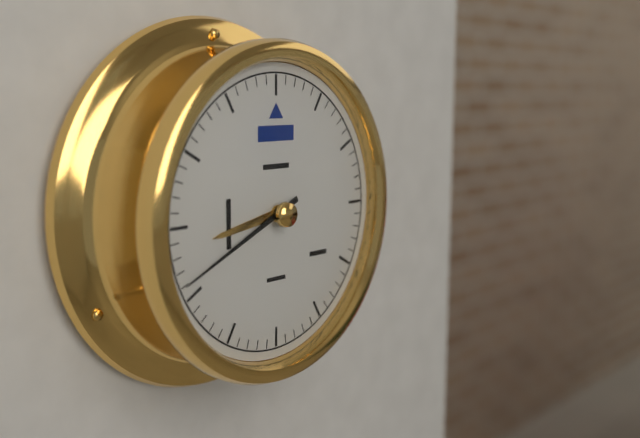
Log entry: 8:41
